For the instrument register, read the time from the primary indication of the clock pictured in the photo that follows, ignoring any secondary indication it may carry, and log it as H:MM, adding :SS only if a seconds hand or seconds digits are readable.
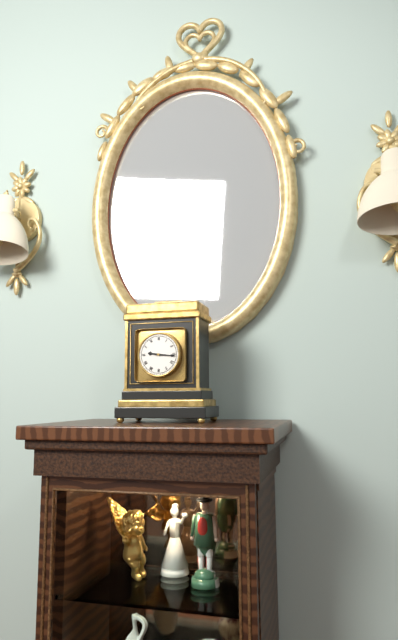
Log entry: 9:16
